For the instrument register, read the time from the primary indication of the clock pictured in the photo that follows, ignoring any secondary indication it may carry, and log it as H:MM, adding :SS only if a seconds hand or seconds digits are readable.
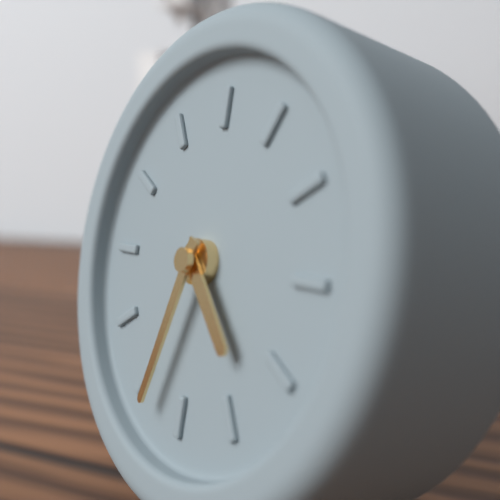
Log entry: 4:33
